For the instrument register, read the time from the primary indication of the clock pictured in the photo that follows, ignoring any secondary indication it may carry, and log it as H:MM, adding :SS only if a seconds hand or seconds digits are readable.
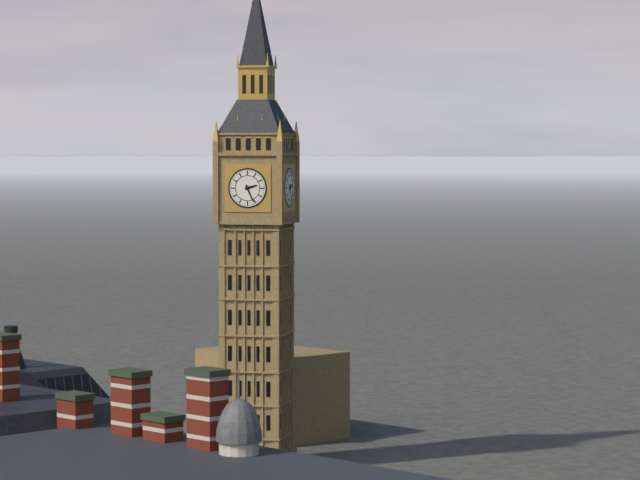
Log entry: 2:26
